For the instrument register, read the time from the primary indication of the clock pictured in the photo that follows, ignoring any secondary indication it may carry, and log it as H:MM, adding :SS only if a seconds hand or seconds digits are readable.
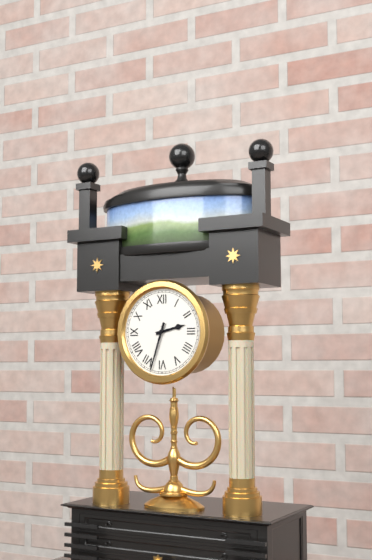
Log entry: 2:33
